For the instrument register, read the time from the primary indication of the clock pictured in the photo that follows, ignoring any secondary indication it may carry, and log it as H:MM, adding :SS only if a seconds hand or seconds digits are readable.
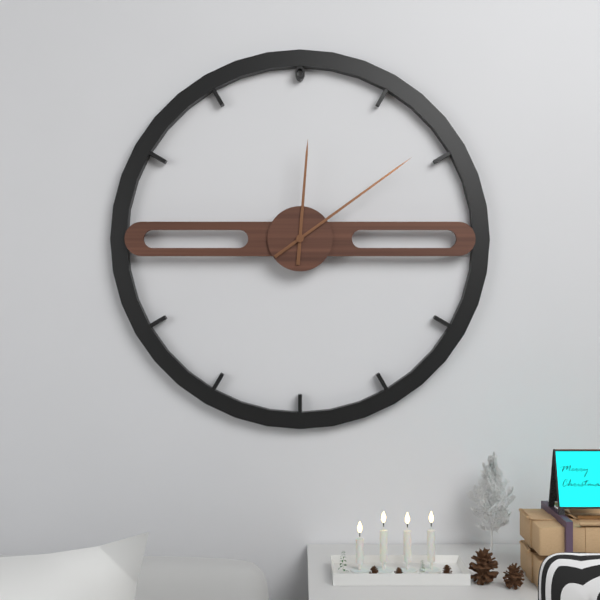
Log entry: 12:09
